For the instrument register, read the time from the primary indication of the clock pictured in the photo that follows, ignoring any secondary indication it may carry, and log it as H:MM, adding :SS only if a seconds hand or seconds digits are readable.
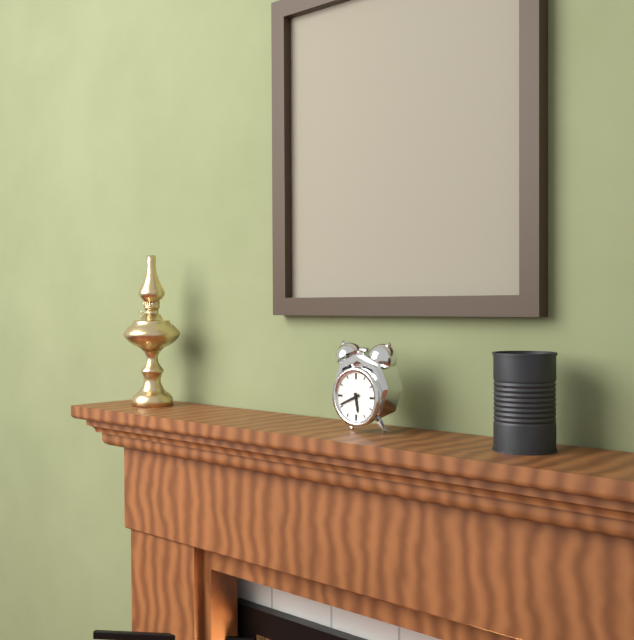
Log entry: 5:41
